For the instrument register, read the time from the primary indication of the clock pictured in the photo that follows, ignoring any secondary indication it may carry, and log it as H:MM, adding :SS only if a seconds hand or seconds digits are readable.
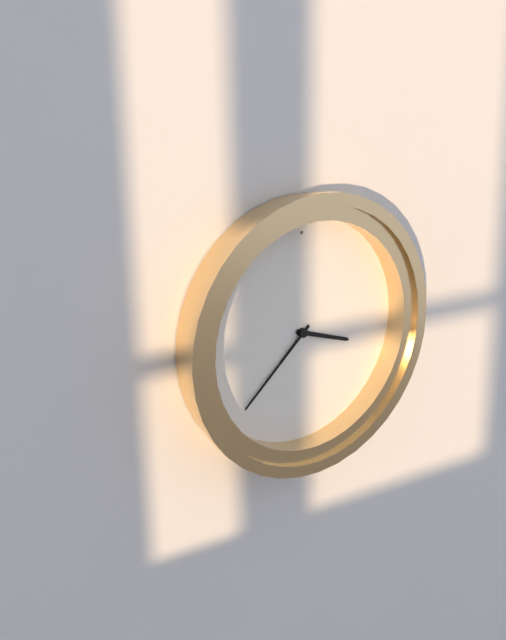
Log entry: 3:38
